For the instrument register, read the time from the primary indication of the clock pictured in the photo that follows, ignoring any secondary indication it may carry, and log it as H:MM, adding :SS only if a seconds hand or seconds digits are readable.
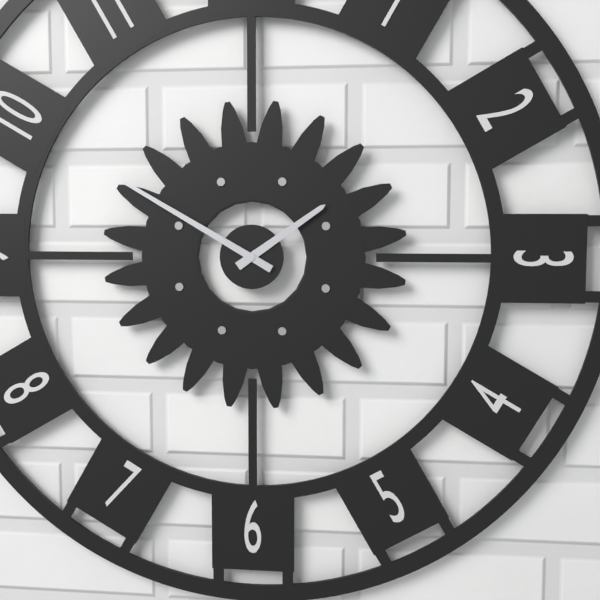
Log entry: 1:50
